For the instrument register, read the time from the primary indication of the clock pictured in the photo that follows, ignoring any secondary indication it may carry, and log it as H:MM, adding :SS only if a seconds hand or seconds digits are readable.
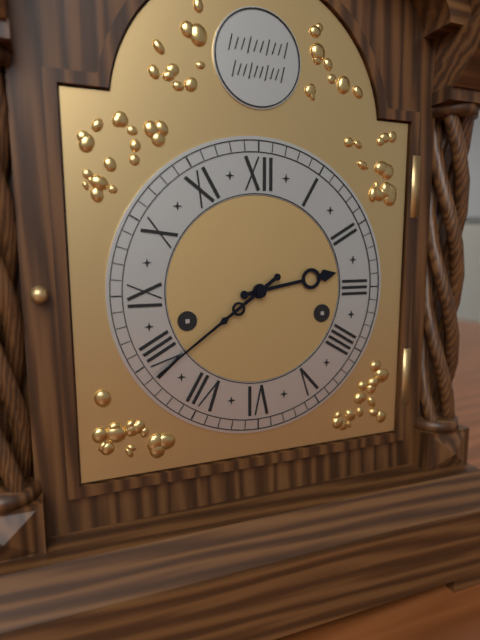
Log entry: 2:39
